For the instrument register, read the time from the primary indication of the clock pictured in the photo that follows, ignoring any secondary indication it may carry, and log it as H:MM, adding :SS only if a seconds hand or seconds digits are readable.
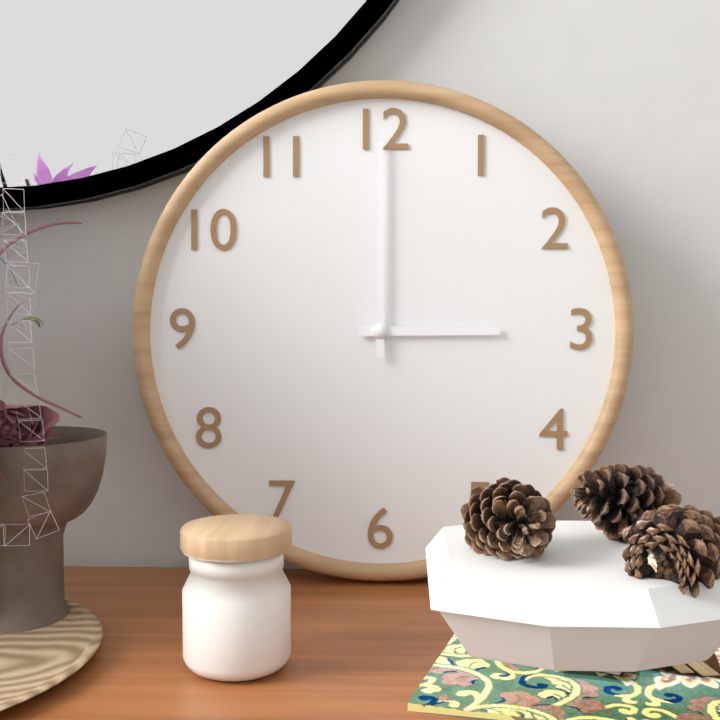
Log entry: 3:00
